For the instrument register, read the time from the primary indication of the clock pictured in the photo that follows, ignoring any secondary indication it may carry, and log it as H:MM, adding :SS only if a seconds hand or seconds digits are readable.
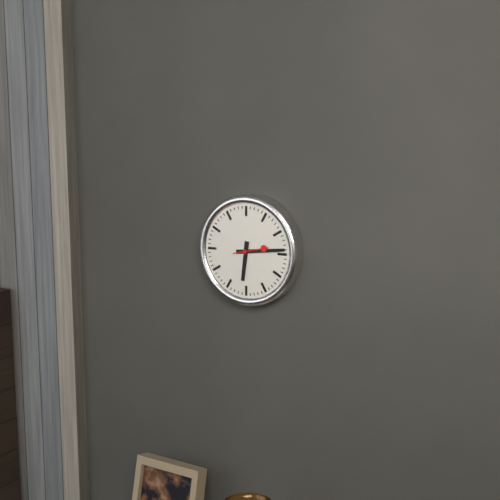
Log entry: 6:14
